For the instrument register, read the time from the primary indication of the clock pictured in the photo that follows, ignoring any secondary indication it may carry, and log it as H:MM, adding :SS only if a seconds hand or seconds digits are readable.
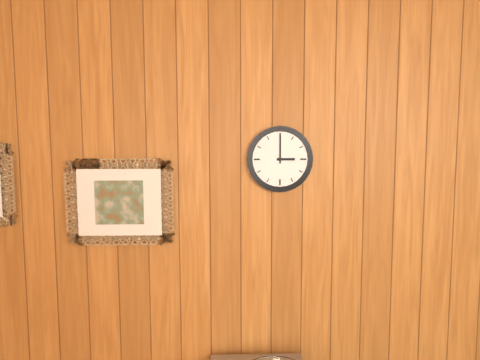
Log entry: 3:00
